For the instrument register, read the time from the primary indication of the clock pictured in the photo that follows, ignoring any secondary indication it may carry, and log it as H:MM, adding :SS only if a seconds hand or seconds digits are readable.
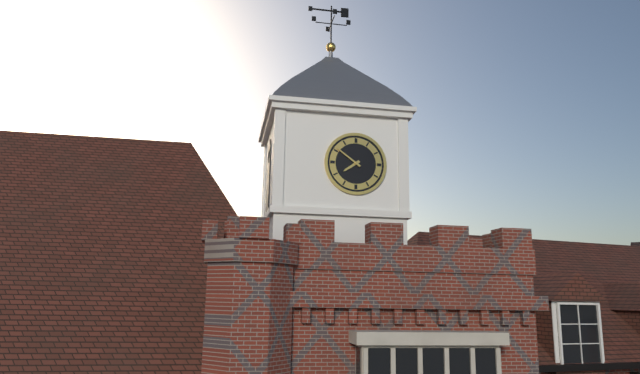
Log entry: 7:51
